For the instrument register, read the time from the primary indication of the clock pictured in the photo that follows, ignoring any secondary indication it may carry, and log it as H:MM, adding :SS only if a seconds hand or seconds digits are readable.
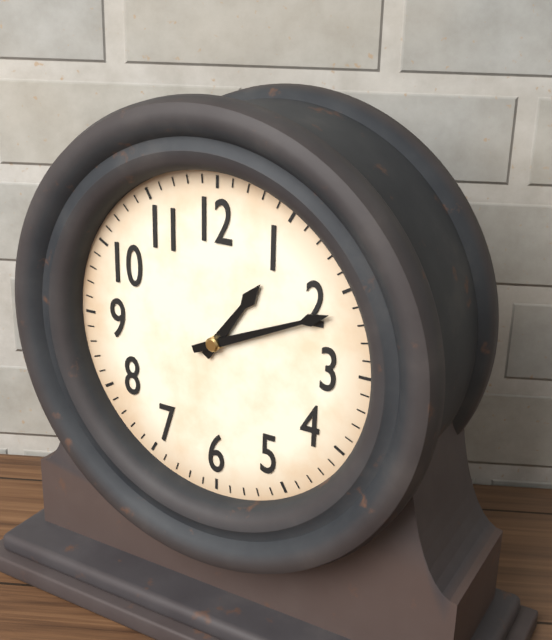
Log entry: 1:11
